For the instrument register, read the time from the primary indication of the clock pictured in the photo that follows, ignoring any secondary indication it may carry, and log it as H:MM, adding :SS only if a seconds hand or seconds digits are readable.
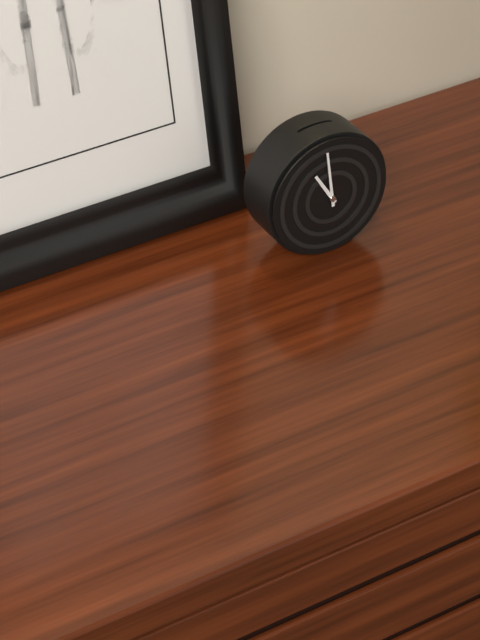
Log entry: 10:59
